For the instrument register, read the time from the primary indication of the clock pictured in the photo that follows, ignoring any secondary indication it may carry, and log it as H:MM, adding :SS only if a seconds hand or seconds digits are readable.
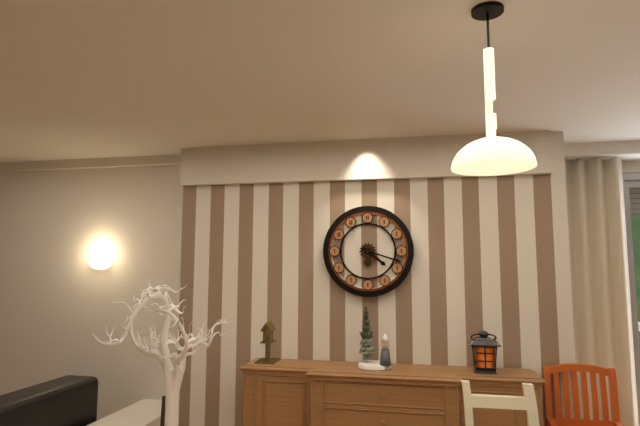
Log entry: 4:18
